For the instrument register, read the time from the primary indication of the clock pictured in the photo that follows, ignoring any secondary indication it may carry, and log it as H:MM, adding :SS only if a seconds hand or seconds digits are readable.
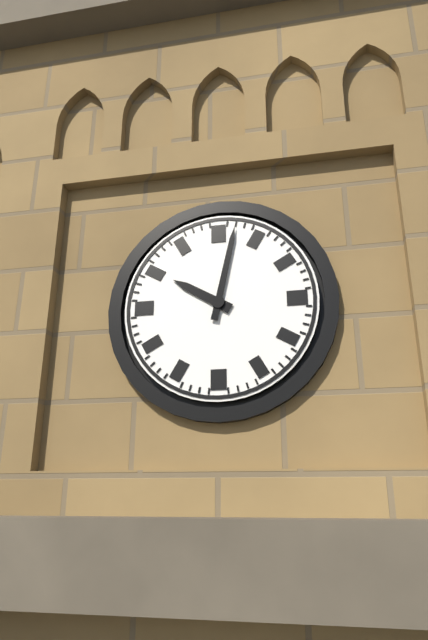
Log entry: 10:02
